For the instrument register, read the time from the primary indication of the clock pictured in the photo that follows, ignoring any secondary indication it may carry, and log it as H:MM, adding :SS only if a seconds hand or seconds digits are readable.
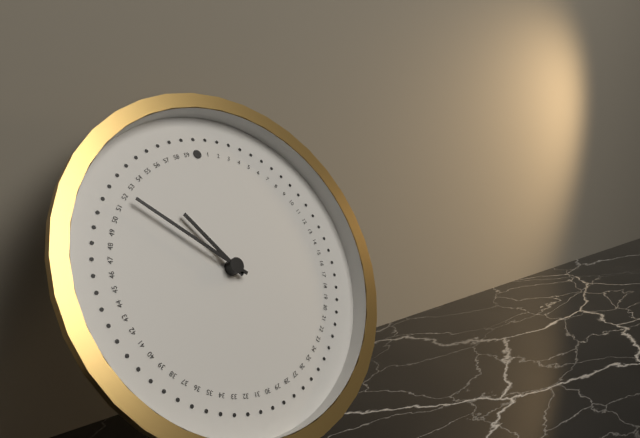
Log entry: 10:52
